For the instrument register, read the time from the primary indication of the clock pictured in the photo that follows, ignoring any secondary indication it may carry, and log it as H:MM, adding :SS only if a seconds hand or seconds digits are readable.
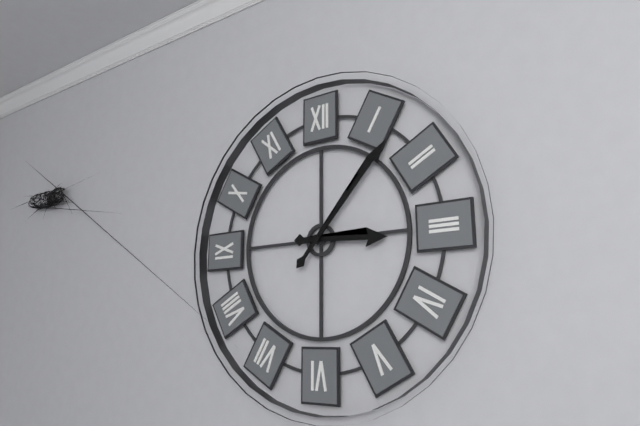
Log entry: 3:07
